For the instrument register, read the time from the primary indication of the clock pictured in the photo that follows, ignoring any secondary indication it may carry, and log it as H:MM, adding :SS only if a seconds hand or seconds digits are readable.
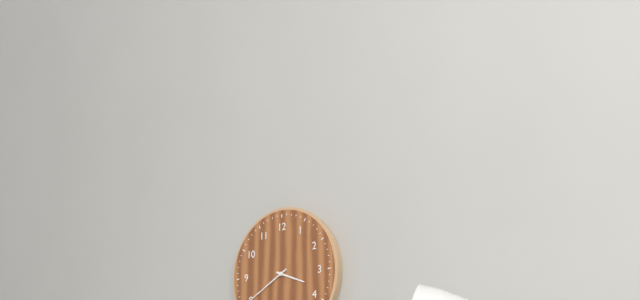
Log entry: 3:40
